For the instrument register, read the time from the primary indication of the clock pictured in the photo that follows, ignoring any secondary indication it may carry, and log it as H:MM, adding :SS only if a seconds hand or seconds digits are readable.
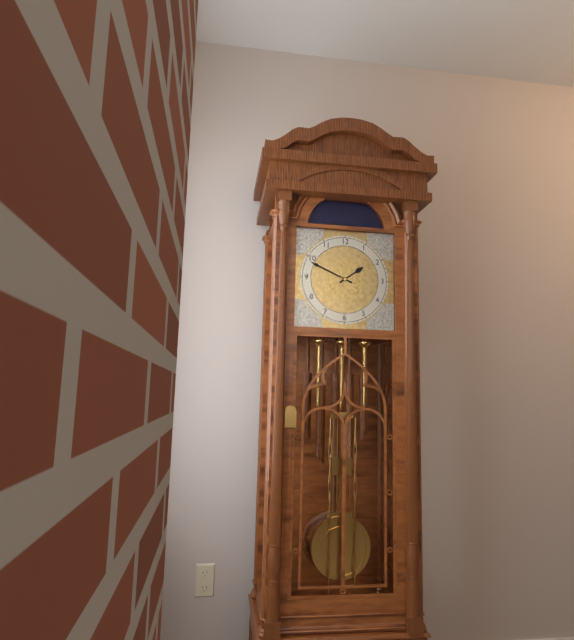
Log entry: 1:49
